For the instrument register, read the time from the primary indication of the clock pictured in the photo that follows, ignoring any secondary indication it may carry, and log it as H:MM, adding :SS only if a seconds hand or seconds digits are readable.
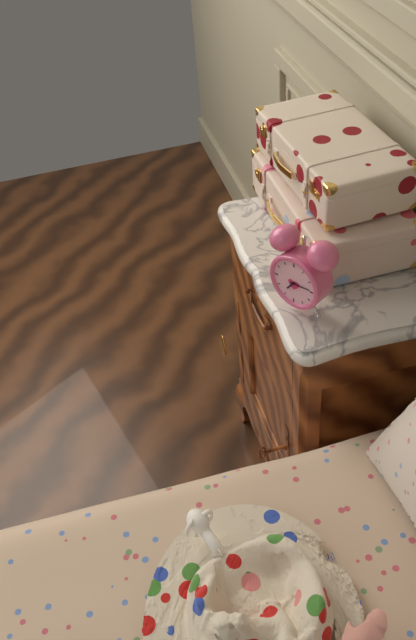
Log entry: 7:14
